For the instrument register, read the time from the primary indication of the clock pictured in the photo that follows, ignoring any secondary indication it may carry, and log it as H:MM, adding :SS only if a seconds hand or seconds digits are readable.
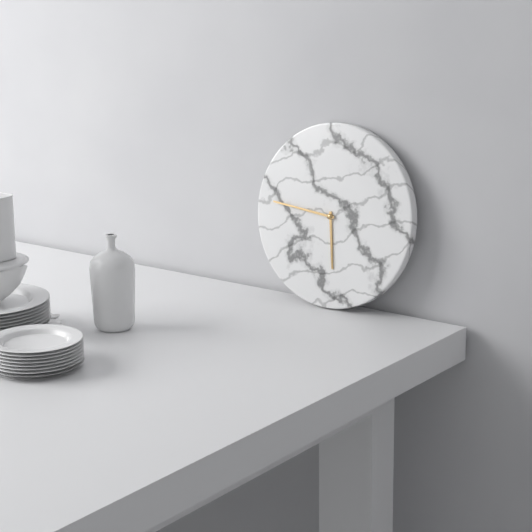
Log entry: 5:46
